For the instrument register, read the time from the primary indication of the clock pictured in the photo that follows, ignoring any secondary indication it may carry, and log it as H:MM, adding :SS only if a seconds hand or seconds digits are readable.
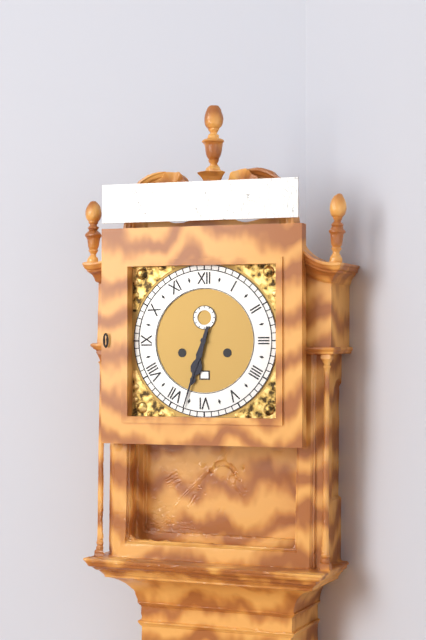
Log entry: 6:33
